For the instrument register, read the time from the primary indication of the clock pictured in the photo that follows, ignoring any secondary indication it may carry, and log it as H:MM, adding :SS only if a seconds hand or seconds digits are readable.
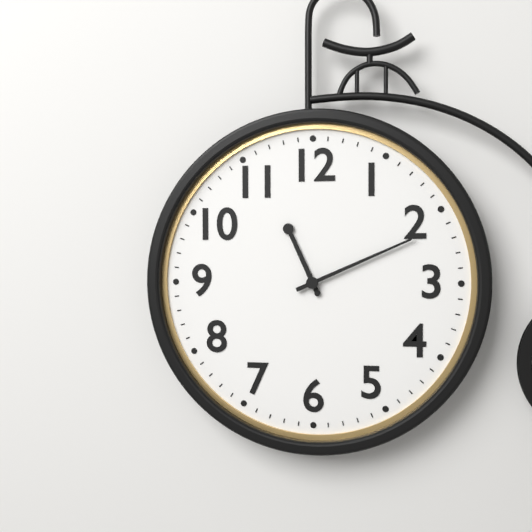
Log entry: 11:11
